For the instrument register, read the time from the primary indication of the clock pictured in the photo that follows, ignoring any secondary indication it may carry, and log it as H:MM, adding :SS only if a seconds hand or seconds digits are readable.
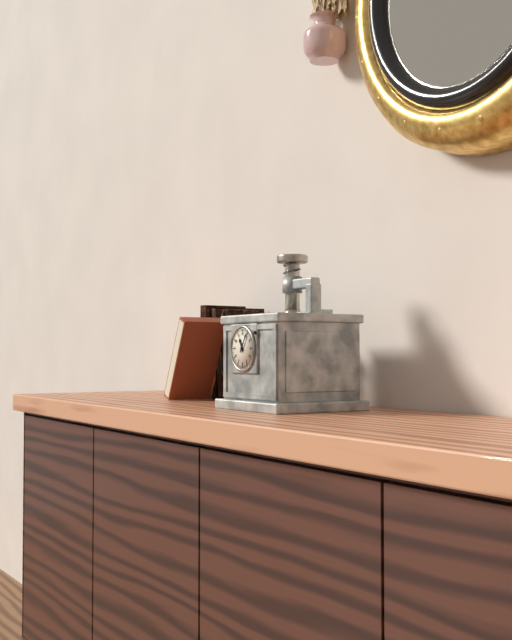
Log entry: 11:05
